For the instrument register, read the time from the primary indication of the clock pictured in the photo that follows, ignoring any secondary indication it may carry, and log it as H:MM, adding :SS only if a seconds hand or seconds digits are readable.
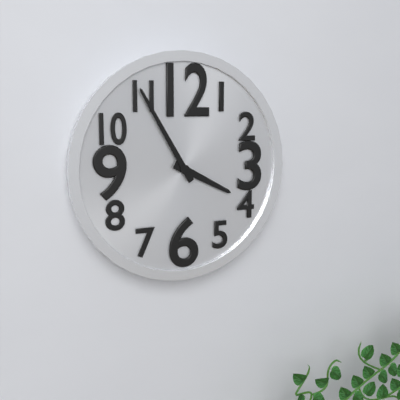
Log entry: 3:55
